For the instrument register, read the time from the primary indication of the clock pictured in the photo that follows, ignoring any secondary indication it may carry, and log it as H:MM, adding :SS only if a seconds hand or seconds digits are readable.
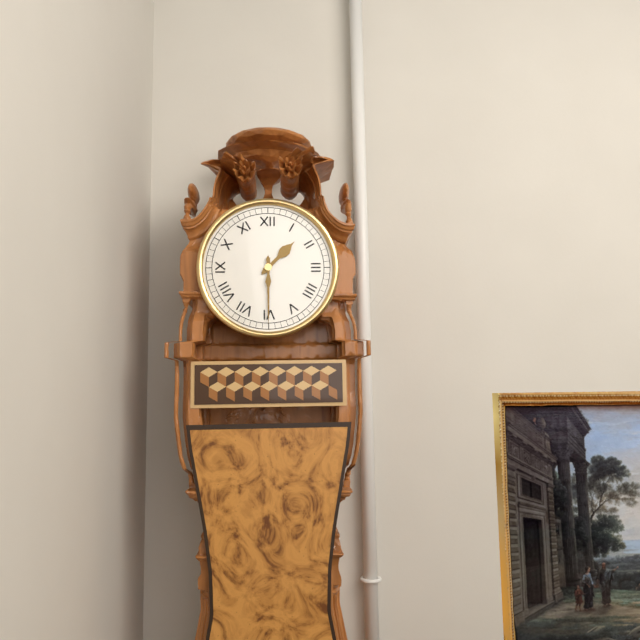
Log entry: 1:30
